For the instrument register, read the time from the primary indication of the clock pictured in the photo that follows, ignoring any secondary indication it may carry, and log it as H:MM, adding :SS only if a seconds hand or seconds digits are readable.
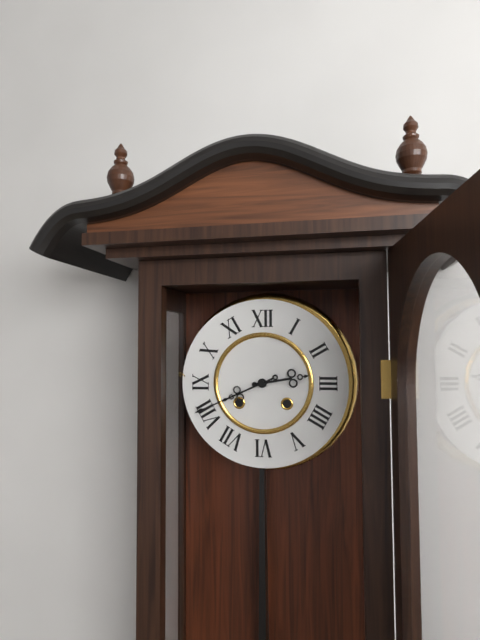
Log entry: 2:41
